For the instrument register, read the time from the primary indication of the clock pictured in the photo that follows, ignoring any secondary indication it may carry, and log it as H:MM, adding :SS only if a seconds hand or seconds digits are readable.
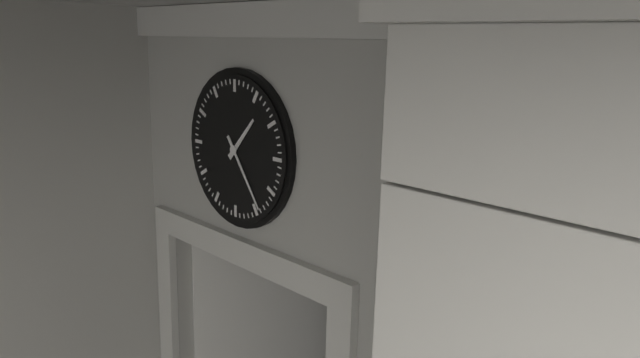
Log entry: 1:24
